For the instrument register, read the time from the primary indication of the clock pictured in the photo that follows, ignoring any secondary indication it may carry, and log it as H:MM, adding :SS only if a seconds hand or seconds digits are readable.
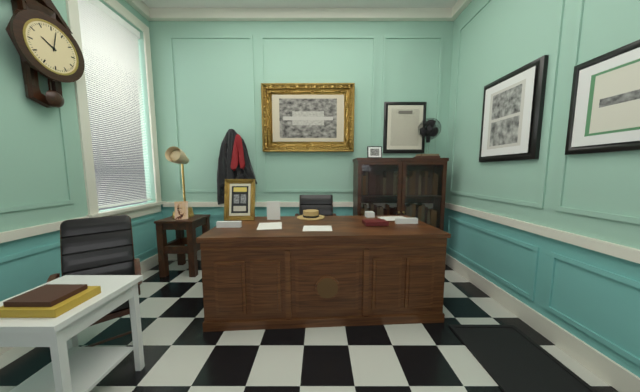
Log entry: 10:02
